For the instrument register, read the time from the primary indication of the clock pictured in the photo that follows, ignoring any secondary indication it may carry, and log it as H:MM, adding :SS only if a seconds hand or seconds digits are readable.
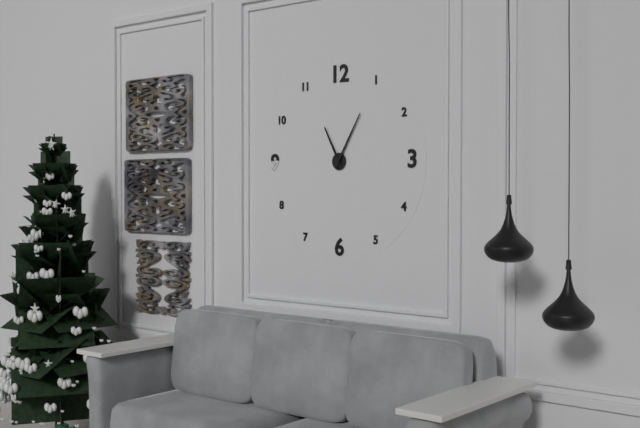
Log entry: 11:05
